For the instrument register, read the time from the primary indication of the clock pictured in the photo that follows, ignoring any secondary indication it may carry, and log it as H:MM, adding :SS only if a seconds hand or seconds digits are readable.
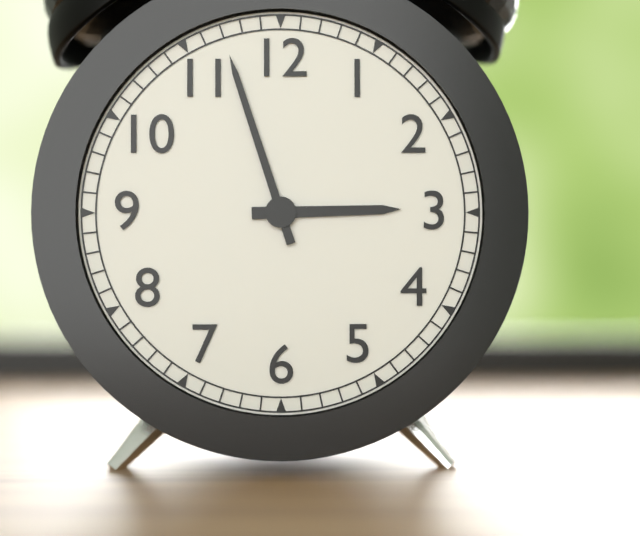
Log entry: 2:57
